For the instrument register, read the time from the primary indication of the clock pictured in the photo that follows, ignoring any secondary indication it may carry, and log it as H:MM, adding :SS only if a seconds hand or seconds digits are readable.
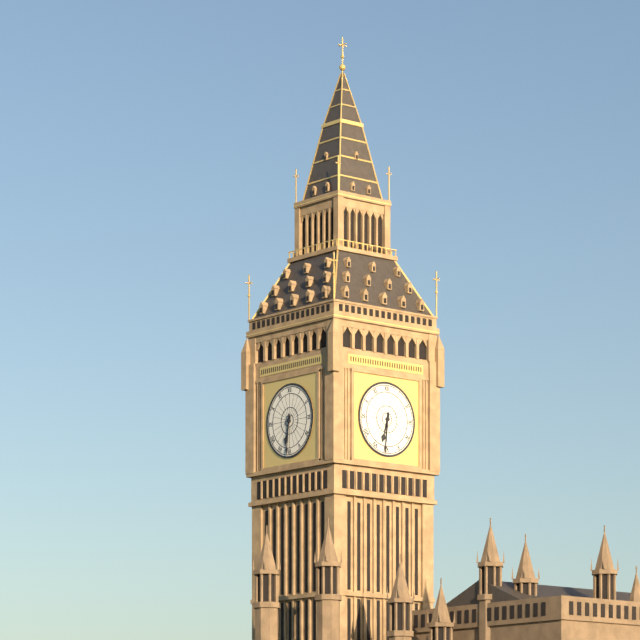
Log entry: 6:31
